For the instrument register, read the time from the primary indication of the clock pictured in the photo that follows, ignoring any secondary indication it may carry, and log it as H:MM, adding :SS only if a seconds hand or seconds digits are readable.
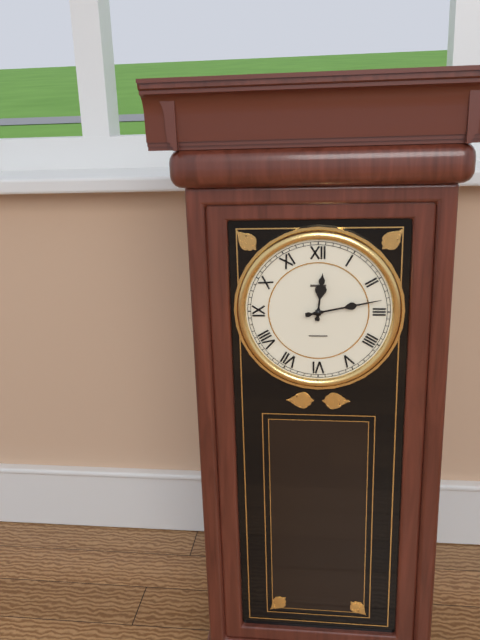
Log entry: 12:13
